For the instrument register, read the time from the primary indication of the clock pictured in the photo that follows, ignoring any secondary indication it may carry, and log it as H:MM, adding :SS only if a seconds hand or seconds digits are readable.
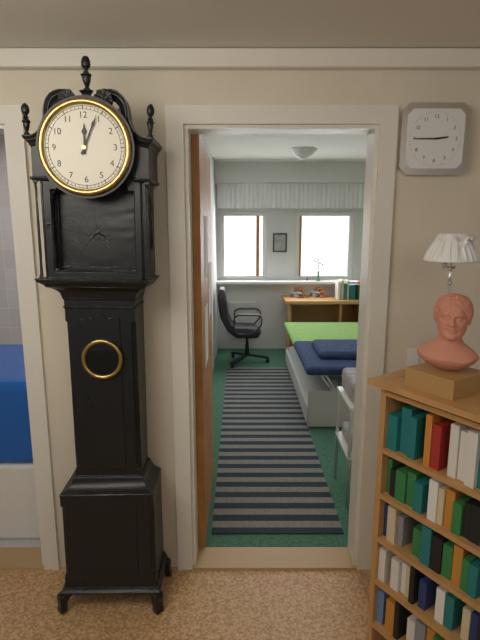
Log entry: 12:04
